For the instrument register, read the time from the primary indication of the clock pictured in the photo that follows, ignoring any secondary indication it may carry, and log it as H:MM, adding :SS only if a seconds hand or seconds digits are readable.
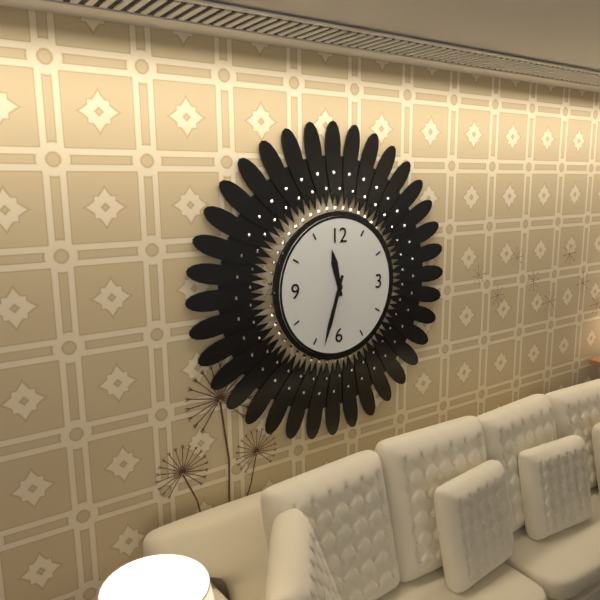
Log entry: 11:33
